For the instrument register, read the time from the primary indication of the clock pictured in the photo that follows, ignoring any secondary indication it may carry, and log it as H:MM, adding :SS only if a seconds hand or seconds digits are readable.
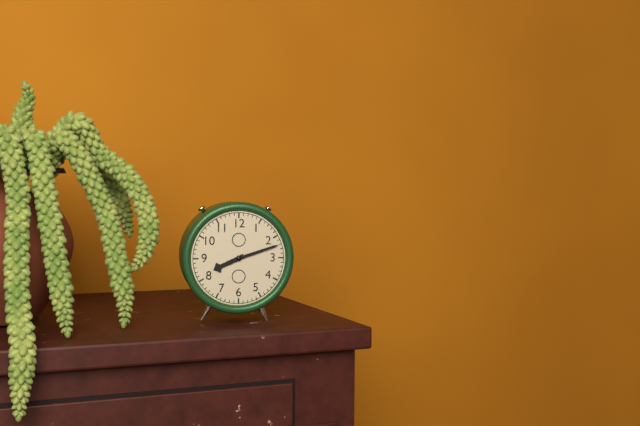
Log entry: 8:12
